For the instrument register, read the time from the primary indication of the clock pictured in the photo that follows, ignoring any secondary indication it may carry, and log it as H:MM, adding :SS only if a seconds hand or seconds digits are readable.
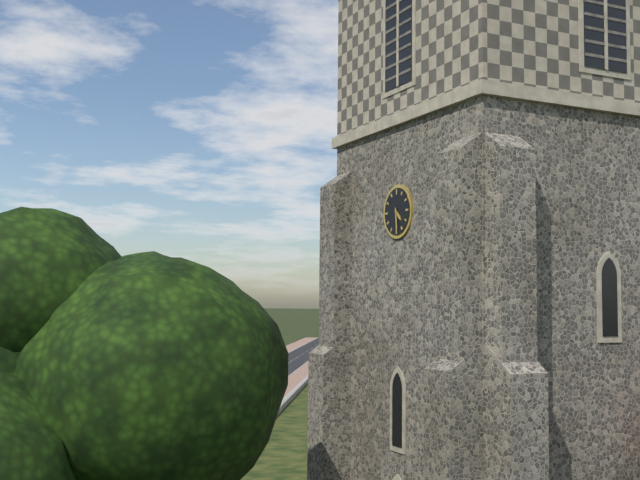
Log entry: 4:29
